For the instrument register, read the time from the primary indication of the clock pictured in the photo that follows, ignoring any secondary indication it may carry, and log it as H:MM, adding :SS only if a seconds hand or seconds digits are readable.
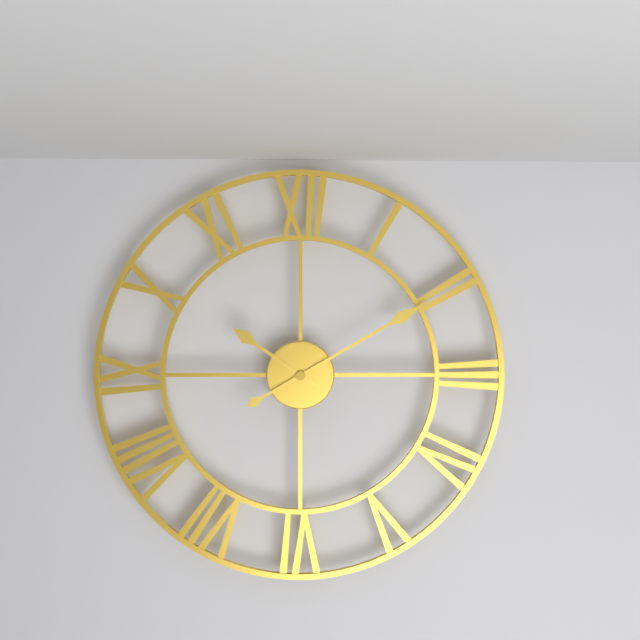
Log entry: 10:10
